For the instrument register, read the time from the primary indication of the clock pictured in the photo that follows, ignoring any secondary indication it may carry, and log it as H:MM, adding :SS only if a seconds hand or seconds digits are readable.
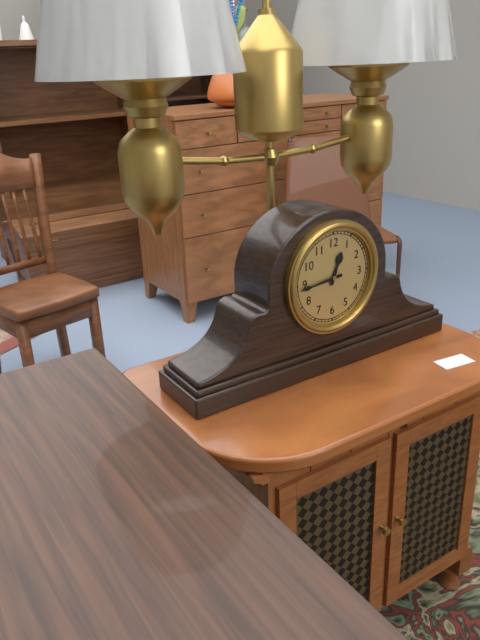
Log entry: 12:44
